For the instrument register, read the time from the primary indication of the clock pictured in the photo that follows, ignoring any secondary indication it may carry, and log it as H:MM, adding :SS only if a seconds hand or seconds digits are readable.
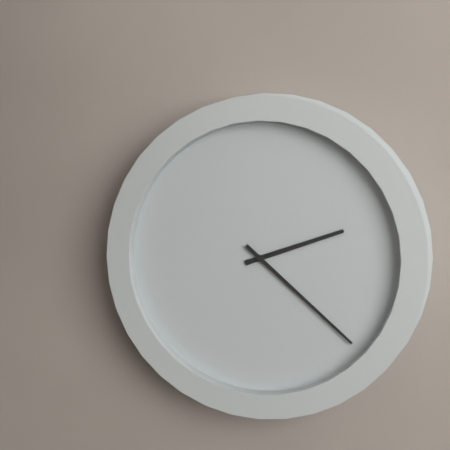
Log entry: 2:22
